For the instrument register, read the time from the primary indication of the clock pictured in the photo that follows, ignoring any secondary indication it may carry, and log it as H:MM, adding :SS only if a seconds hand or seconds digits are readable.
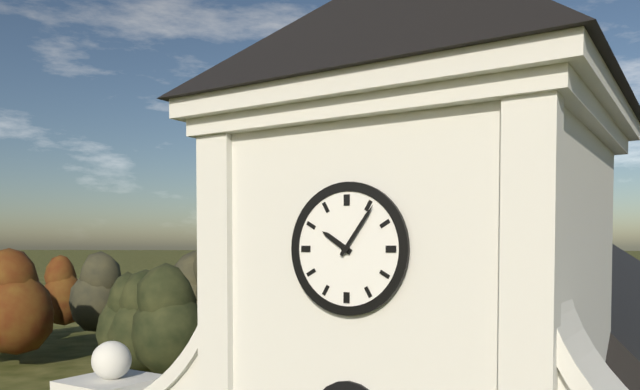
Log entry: 10:06
